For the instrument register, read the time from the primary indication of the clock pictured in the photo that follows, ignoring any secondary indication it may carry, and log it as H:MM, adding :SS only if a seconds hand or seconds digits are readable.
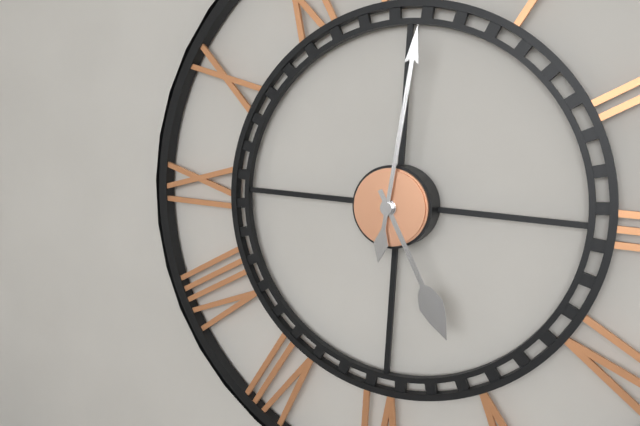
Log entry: 5:01
